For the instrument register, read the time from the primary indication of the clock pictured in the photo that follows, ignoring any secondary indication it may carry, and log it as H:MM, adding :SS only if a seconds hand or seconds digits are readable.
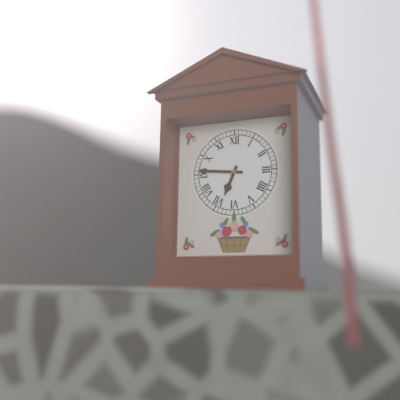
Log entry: 6:46
